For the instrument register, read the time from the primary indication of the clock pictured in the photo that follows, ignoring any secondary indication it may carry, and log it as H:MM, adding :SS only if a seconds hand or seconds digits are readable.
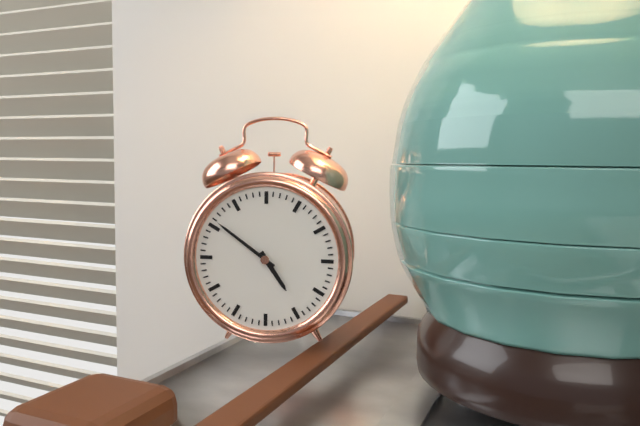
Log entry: 4:51
